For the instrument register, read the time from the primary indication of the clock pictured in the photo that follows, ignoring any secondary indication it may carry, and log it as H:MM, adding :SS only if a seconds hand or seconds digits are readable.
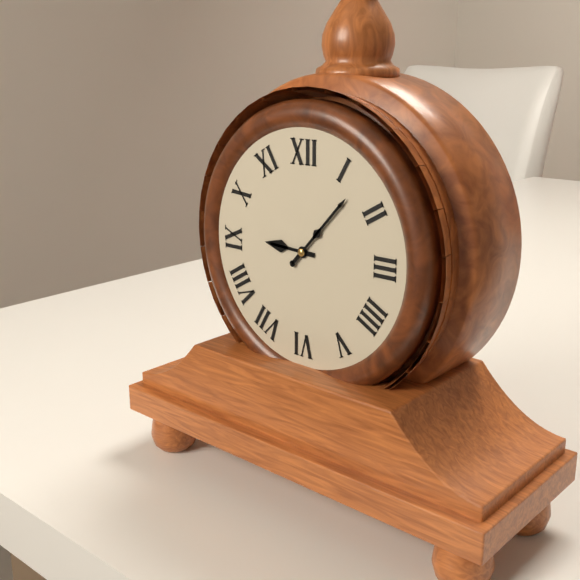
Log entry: 9:07
